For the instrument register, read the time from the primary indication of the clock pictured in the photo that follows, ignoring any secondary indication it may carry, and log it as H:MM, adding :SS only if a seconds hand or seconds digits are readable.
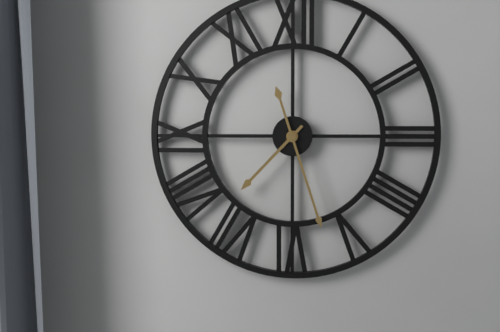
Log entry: 7:27
